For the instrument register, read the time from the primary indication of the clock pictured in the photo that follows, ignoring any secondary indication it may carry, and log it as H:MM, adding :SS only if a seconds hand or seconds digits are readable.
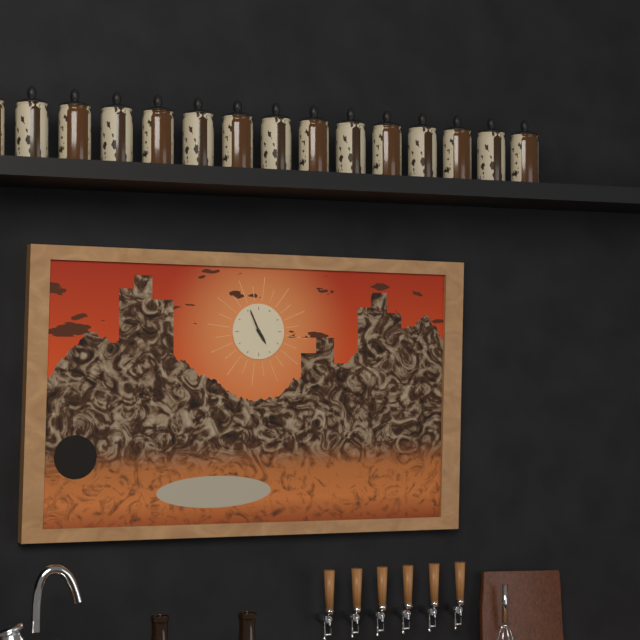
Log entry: 4:56
